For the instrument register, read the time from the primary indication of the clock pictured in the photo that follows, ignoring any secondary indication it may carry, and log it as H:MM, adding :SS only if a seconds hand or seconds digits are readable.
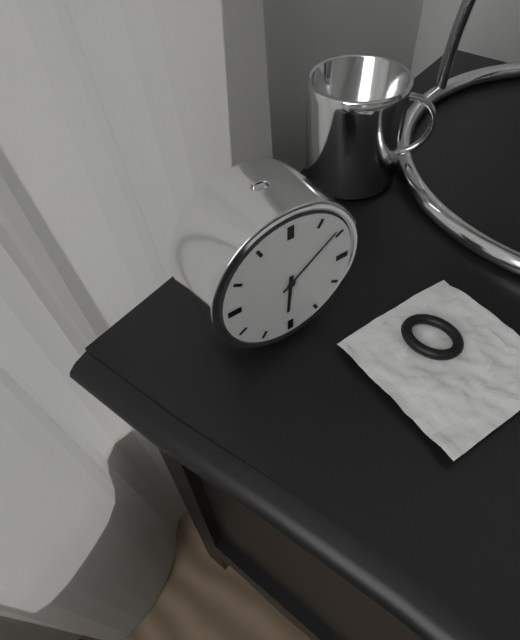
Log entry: 6:09
